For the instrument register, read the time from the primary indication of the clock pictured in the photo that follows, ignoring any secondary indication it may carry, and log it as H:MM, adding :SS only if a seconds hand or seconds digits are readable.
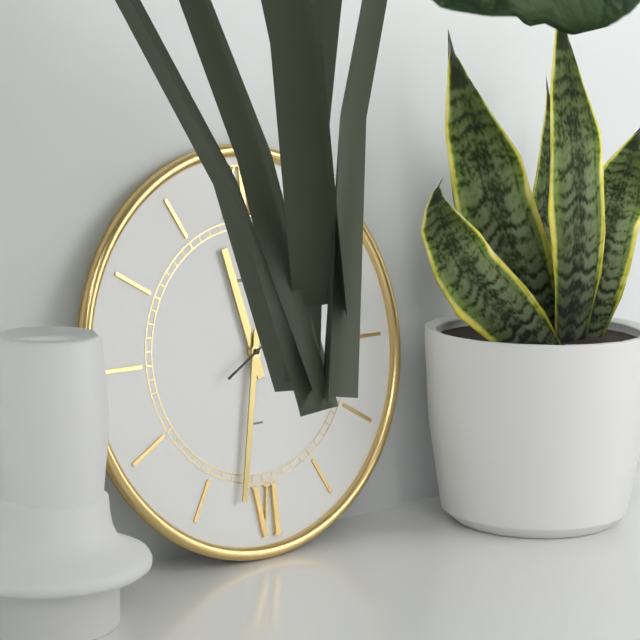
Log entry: 11:32
